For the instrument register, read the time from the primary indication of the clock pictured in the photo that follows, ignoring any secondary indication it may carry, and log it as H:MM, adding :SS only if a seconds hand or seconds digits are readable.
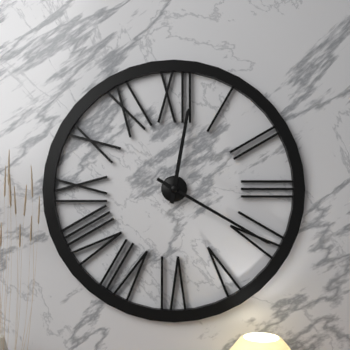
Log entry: 12:20
